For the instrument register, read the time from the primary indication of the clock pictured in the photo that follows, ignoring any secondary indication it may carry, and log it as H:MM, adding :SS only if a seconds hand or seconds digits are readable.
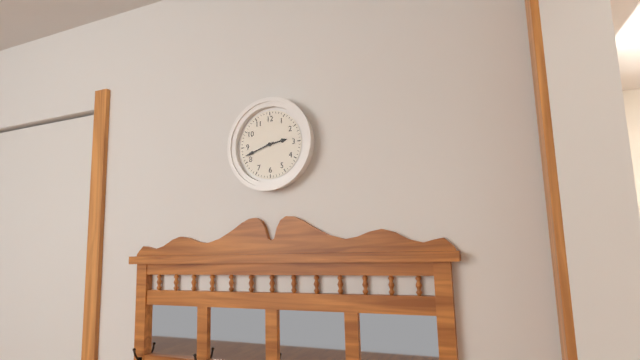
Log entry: 2:42
